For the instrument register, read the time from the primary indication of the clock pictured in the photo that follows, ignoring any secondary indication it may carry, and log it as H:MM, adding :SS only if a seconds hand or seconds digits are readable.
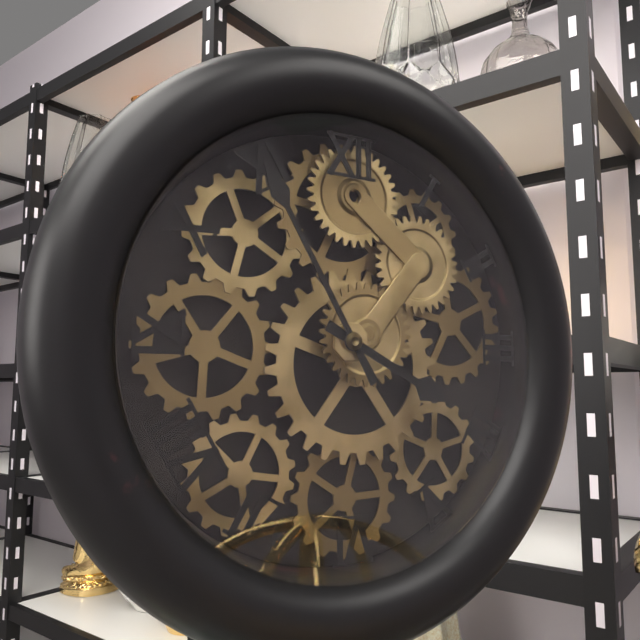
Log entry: 3:55
